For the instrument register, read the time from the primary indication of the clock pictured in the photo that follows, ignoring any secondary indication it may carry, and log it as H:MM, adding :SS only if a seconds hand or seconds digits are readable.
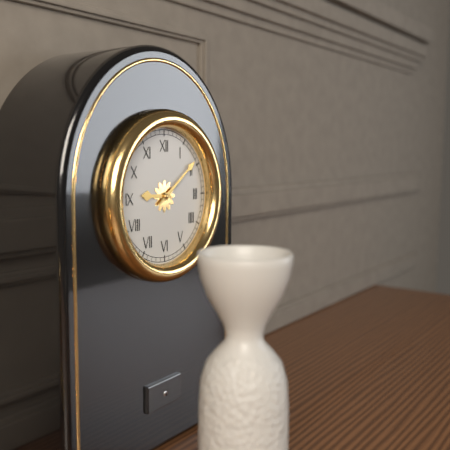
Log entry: 9:09
